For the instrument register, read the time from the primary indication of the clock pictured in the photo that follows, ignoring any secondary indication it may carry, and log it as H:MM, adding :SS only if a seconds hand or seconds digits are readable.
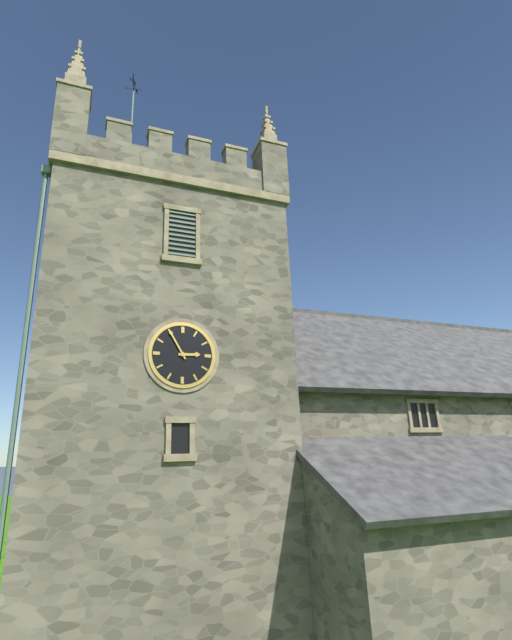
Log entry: 2:55
